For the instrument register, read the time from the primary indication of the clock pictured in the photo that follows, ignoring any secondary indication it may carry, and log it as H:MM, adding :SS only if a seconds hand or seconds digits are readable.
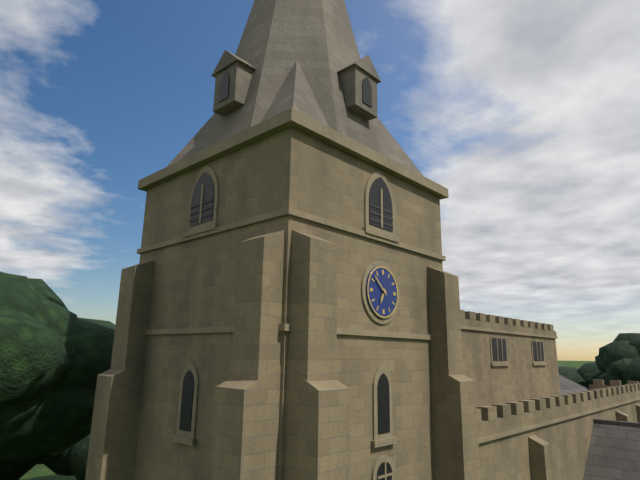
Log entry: 6:52
